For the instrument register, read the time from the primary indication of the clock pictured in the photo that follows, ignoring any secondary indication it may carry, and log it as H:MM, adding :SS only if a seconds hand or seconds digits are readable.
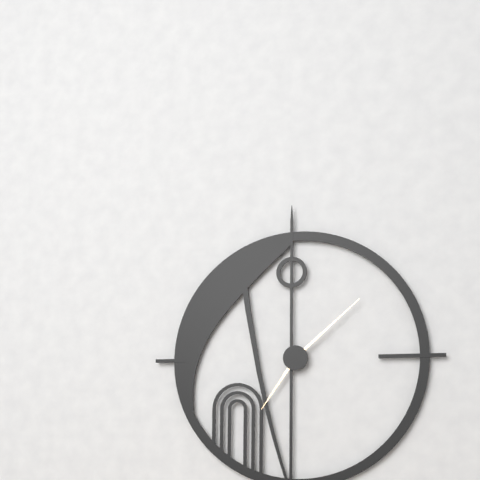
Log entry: 7:08
